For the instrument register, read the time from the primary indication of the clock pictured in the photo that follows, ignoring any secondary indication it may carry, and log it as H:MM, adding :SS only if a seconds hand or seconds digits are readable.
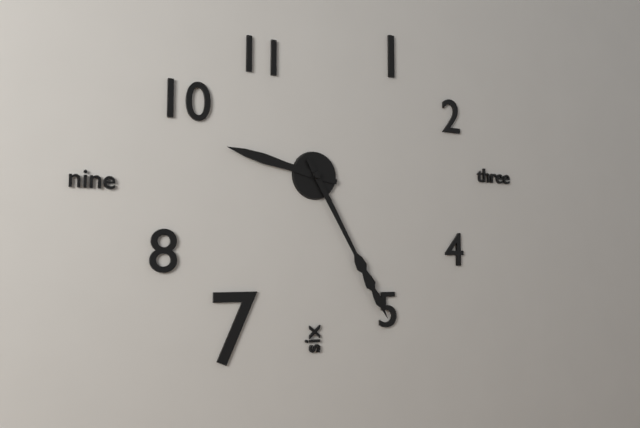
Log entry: 9:25
